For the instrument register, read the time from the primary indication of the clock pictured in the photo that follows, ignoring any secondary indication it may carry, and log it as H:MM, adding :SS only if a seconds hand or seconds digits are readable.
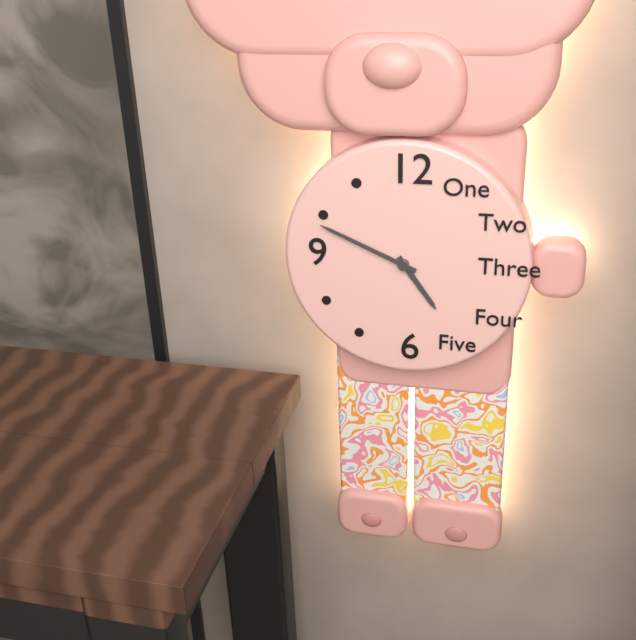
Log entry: 4:49
